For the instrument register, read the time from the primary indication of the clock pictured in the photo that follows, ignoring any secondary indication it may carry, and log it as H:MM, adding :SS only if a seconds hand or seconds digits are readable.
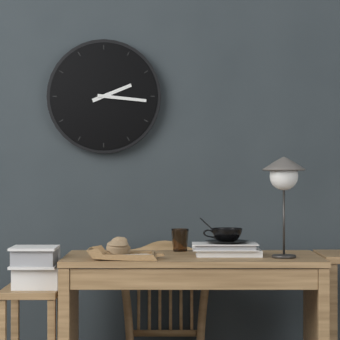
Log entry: 2:16
